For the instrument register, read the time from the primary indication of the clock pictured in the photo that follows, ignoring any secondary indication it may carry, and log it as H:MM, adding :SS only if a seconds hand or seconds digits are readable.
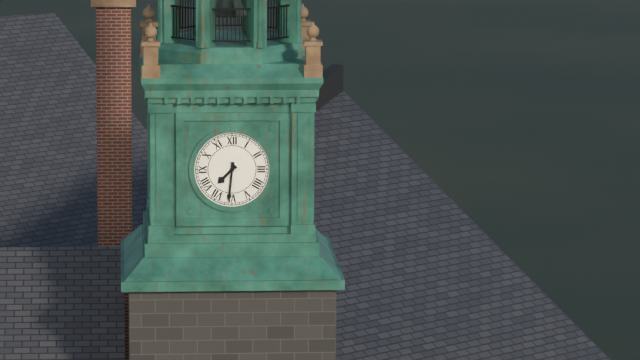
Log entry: 7:31
